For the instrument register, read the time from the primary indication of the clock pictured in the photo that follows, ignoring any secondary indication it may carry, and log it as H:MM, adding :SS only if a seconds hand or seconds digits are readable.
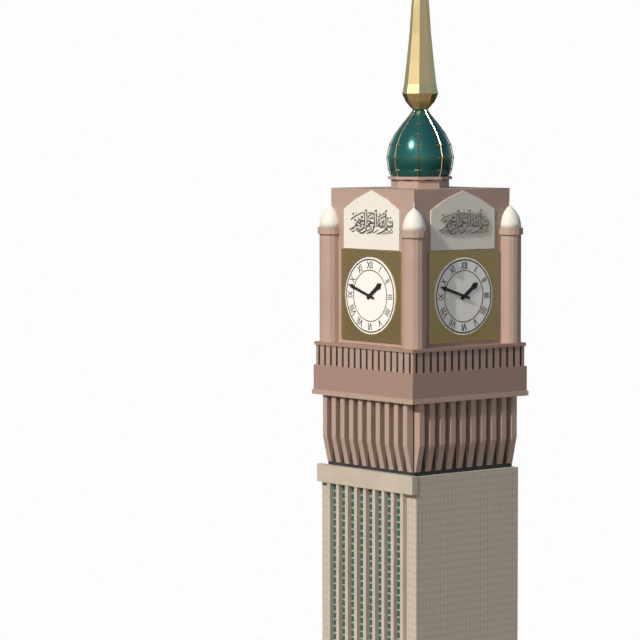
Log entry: 1:48
